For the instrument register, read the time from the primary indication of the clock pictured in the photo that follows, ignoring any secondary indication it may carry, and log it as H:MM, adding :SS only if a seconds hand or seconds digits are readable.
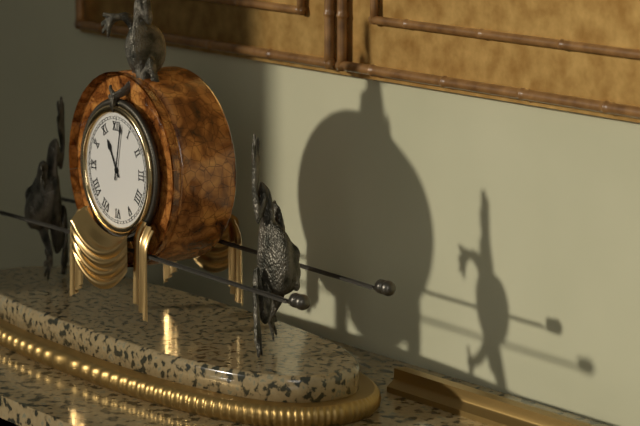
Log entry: 11:02
